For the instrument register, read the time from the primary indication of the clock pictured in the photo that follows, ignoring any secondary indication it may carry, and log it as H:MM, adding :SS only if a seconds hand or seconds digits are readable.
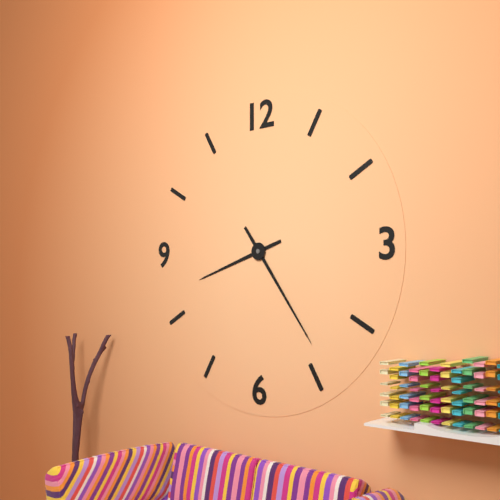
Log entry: 8:24
